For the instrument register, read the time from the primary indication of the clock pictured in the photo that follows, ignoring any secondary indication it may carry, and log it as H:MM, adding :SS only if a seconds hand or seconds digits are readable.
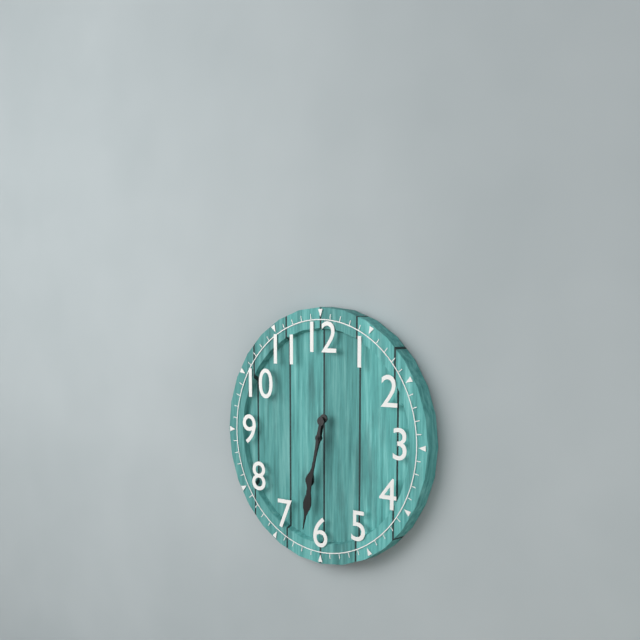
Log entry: 6:32
